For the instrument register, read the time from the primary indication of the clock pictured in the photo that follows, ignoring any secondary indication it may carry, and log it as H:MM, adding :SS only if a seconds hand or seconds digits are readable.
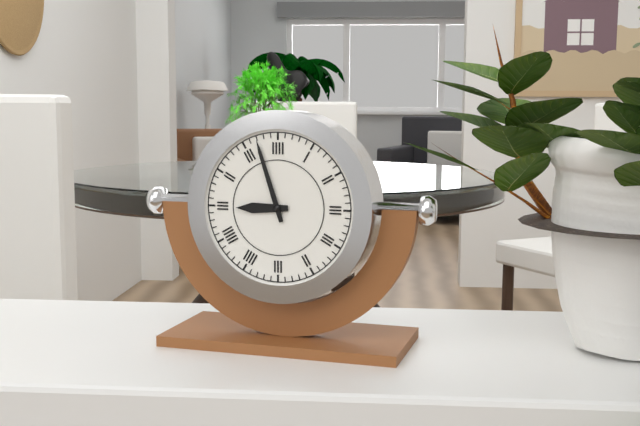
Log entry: 8:57
